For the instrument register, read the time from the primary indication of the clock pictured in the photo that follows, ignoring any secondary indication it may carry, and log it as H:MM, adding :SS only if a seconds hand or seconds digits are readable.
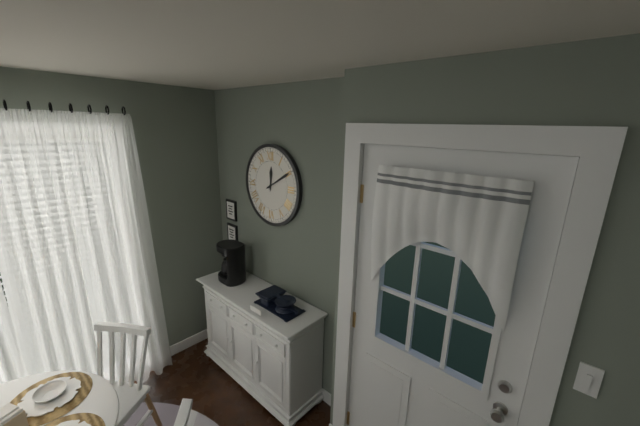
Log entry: 12:10
